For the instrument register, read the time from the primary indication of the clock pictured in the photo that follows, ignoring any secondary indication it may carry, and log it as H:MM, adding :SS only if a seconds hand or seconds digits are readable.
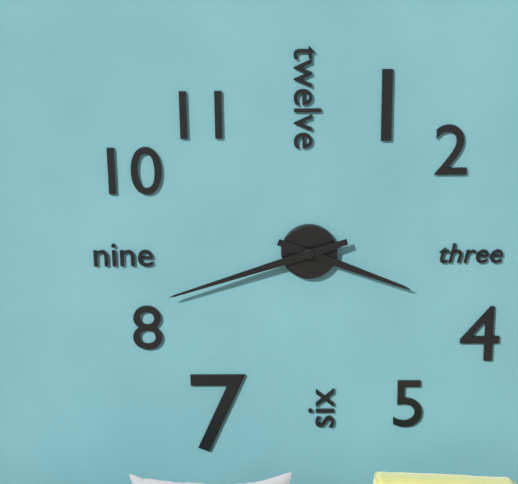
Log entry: 3:42
